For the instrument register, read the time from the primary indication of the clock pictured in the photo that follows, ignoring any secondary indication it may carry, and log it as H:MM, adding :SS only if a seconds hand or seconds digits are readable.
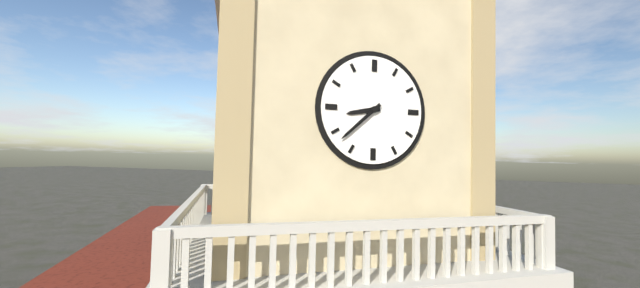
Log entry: 8:38
